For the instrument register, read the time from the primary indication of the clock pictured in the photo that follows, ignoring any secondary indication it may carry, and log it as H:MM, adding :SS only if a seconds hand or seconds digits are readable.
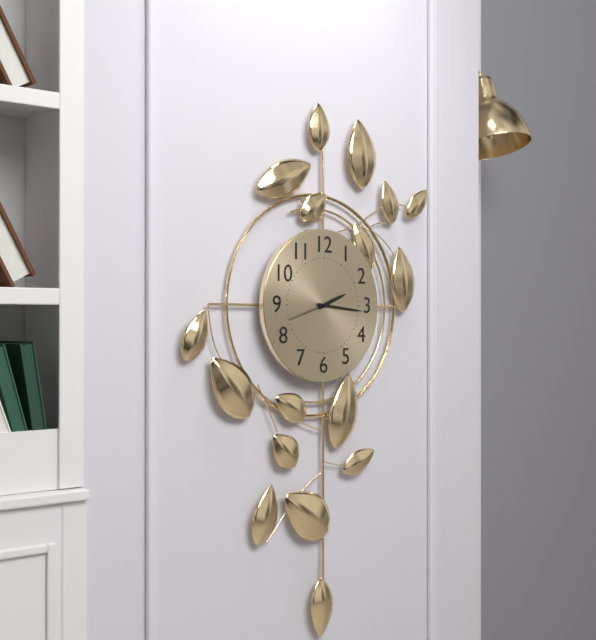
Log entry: 2:16
